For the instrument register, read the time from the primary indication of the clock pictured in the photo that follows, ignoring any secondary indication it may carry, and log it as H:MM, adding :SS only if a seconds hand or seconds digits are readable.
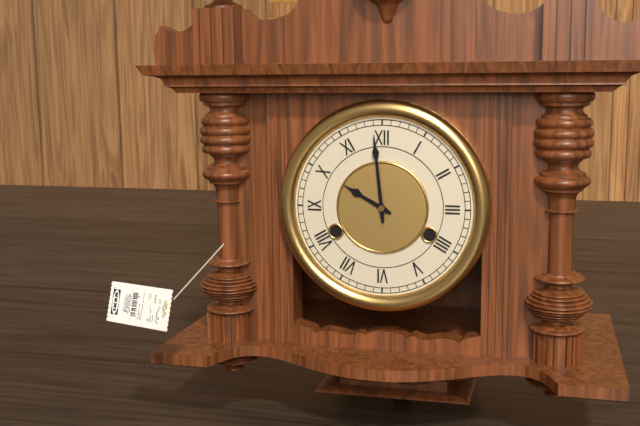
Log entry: 9:59
